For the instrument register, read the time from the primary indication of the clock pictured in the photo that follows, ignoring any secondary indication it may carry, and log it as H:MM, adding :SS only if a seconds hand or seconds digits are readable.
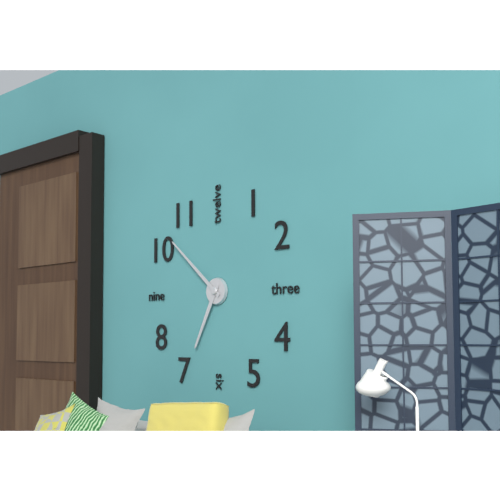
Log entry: 6:52
